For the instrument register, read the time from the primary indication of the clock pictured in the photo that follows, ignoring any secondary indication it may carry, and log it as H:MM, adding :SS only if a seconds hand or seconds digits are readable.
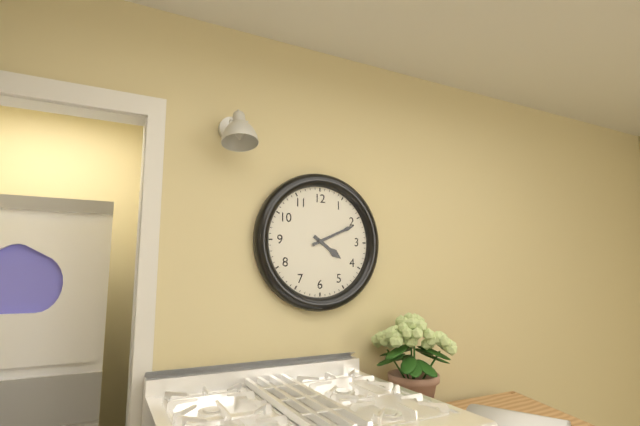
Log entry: 4:11
